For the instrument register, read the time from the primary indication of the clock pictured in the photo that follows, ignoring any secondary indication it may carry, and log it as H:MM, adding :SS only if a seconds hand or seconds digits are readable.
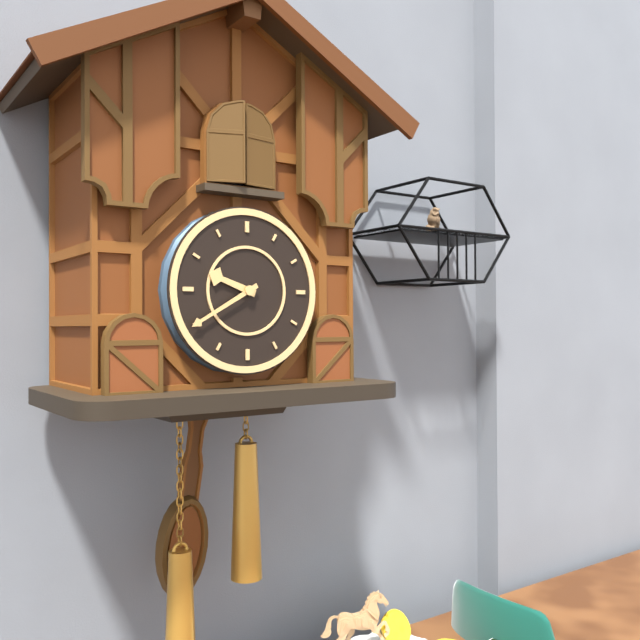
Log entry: 9:40
